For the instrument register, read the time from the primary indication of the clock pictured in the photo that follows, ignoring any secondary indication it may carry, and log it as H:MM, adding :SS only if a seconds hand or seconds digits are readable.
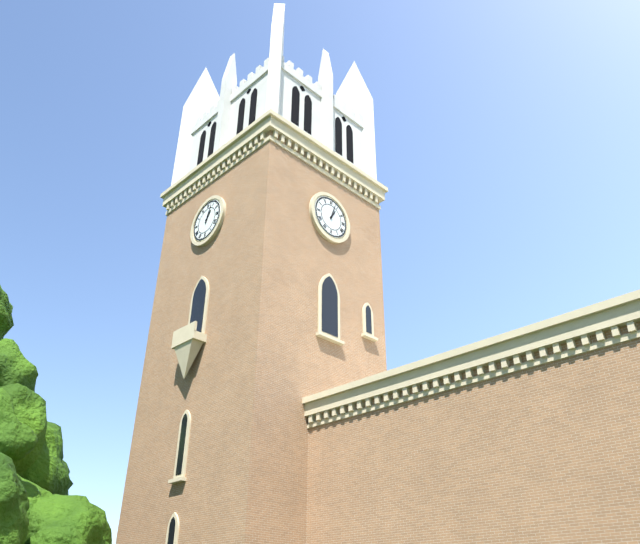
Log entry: 1:03
